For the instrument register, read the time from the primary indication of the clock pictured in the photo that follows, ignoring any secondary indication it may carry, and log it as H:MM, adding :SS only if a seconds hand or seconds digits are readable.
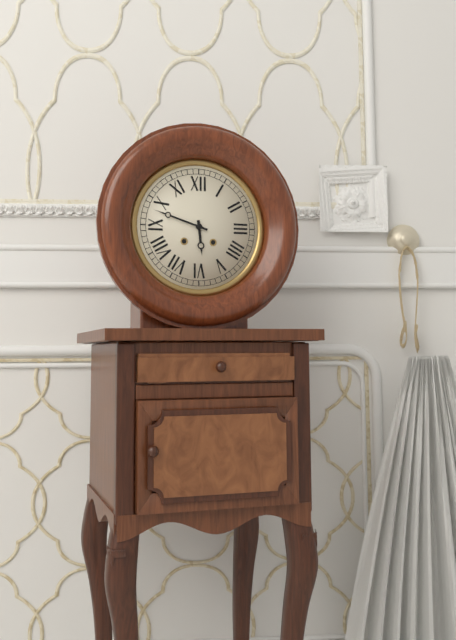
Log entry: 5:48
